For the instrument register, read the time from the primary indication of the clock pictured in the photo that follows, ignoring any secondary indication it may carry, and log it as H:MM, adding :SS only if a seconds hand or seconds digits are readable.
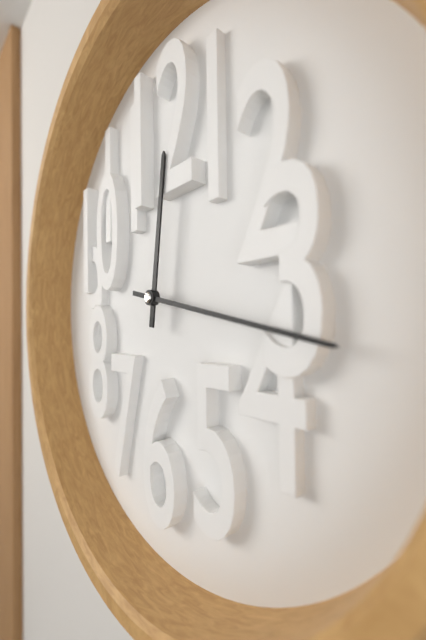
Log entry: 12:17
